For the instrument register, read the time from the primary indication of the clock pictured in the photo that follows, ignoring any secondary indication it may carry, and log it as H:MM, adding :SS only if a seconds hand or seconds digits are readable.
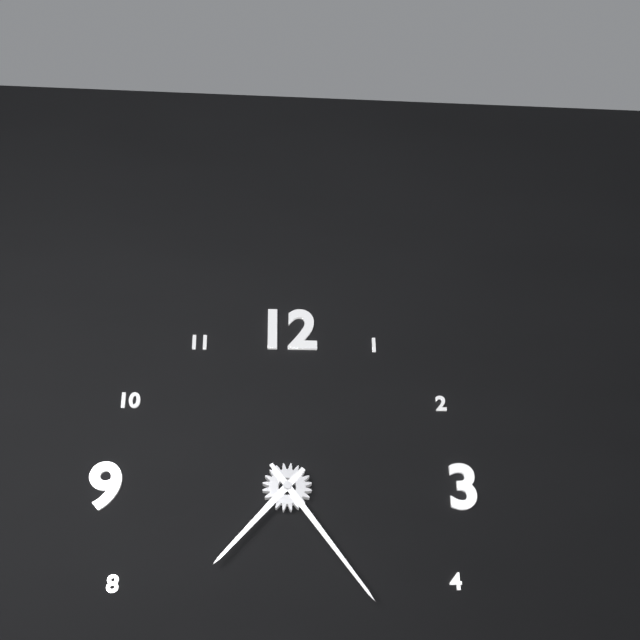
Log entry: 7:24
